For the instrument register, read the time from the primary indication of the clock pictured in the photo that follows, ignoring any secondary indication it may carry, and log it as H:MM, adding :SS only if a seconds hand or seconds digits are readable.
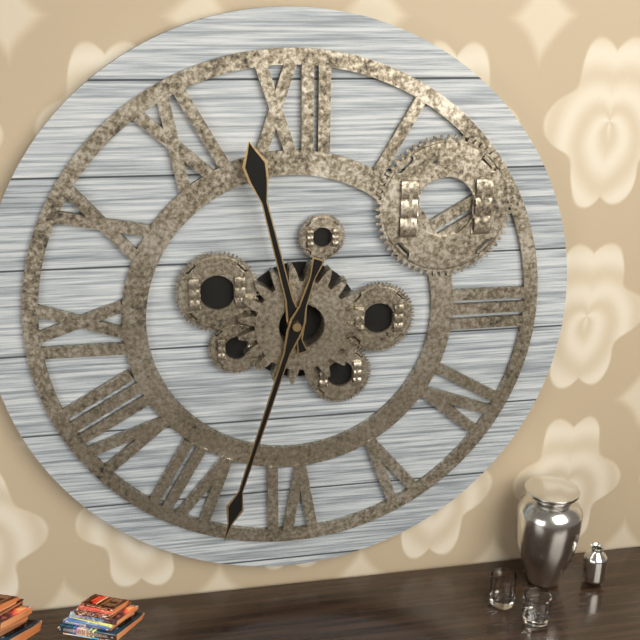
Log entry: 11:33
